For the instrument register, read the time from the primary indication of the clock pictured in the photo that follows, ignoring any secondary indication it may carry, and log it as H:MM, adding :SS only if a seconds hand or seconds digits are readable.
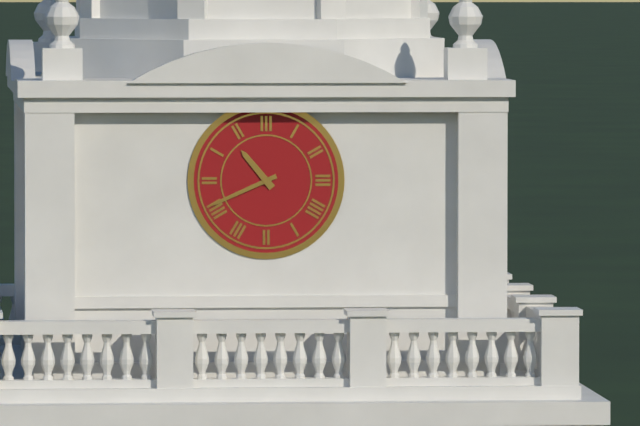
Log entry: 10:41
